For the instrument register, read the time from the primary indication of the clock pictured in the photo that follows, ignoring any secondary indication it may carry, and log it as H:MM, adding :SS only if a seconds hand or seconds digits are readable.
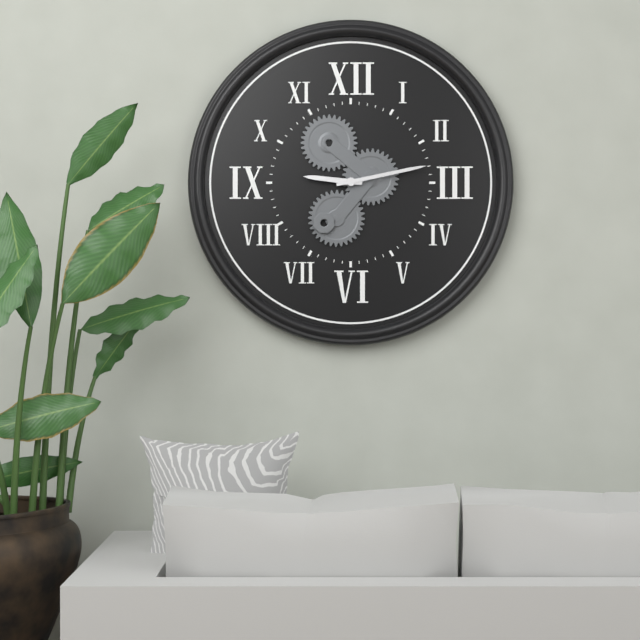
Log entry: 9:13
